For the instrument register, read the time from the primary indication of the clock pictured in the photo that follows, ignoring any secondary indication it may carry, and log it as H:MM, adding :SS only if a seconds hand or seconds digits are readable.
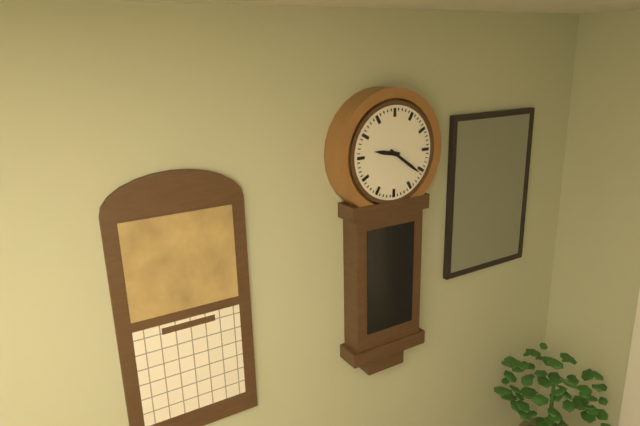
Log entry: 9:21
